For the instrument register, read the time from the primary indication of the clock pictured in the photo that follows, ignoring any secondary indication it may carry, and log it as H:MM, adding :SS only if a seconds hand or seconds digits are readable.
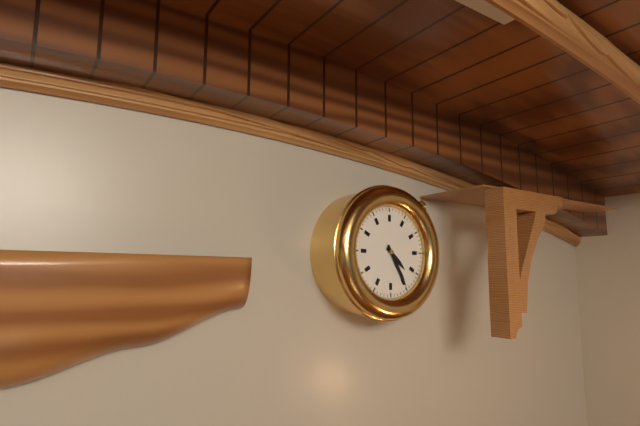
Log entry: 4:25
